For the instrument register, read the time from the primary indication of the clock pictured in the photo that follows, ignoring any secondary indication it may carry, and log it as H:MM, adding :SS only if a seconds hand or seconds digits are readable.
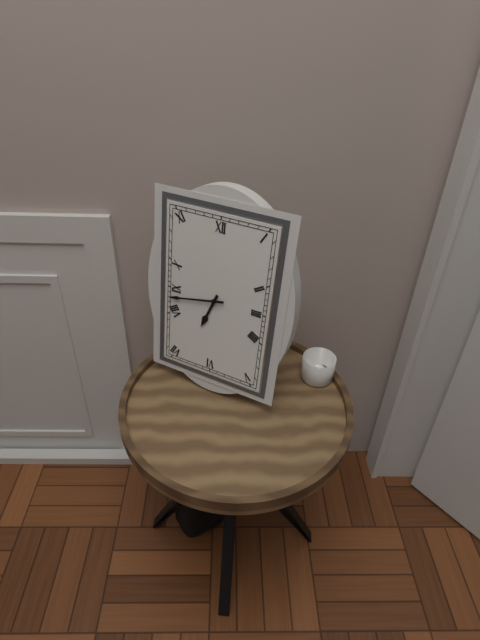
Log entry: 6:43
